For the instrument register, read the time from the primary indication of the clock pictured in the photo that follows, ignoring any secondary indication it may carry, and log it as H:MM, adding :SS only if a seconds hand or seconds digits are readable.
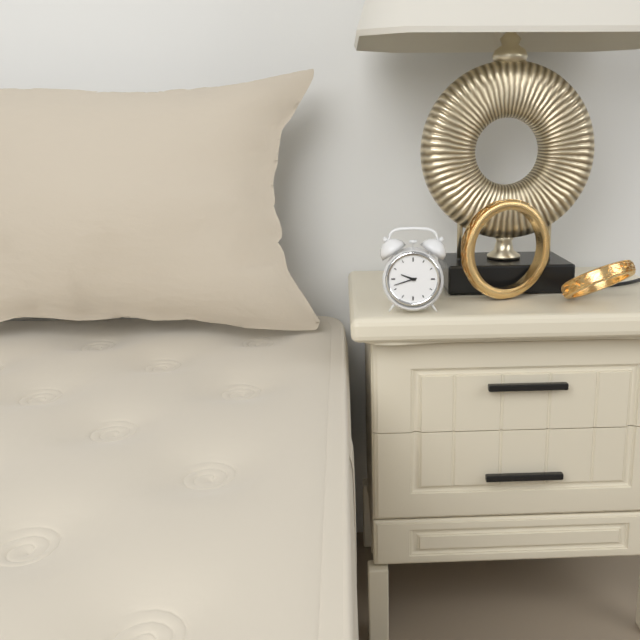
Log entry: 9:42
